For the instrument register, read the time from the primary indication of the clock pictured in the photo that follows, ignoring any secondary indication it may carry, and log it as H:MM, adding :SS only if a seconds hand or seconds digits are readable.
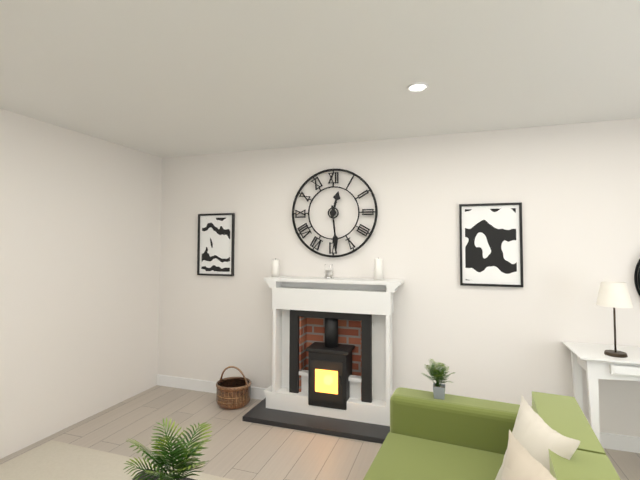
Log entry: 12:29
